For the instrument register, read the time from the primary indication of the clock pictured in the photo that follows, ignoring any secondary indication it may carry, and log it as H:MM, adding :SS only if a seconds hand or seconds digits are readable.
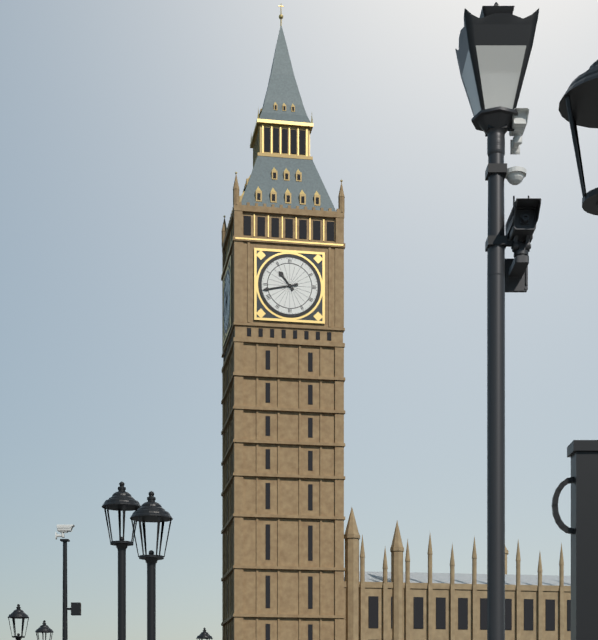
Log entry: 10:43
